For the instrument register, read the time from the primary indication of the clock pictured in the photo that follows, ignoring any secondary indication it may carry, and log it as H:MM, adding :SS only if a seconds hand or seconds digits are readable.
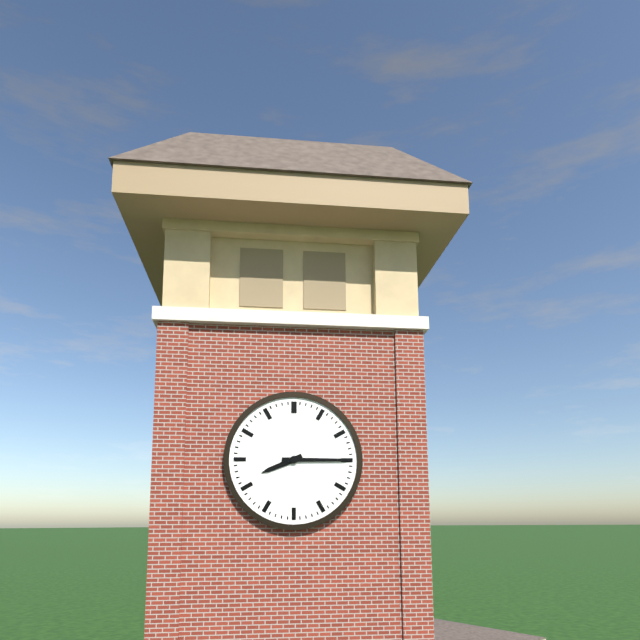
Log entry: 8:15
